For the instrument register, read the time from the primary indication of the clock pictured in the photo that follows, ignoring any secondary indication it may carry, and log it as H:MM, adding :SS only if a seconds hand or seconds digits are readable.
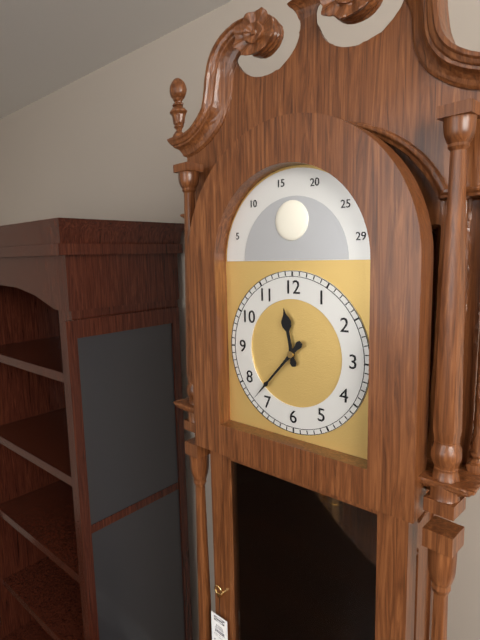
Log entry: 11:37
